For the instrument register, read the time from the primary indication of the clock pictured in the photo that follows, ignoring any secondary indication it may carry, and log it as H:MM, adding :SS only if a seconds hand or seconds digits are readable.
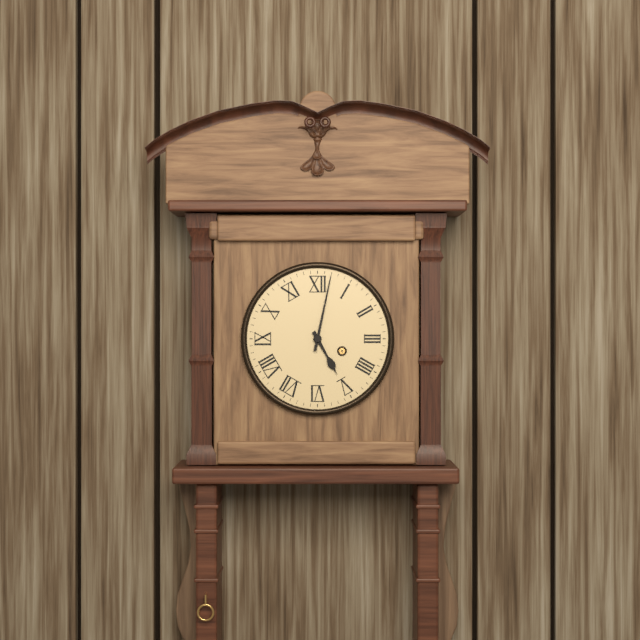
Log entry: 5:02
